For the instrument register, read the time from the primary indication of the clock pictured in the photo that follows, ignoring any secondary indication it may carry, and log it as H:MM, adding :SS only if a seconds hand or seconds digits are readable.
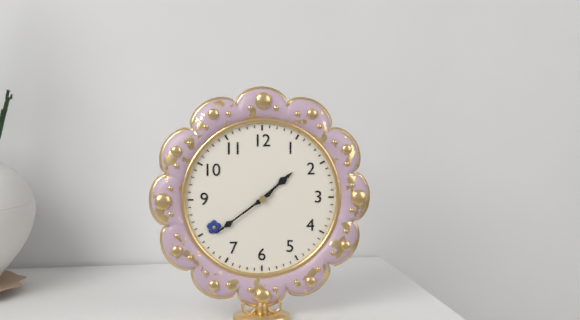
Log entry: 1:39
